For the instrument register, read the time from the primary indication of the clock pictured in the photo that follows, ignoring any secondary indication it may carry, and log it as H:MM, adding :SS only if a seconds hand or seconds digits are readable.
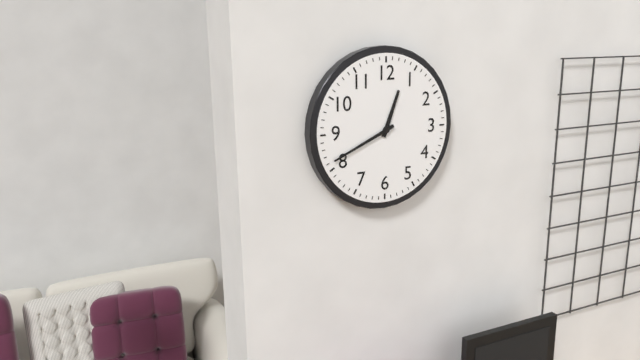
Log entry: 12:41
